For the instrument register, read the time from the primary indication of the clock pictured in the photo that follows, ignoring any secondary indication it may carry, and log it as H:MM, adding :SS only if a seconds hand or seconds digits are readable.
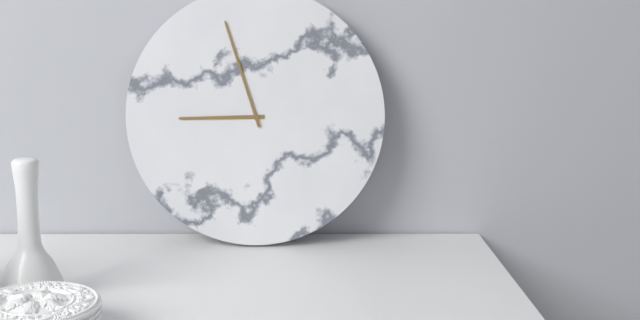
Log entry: 8:57
